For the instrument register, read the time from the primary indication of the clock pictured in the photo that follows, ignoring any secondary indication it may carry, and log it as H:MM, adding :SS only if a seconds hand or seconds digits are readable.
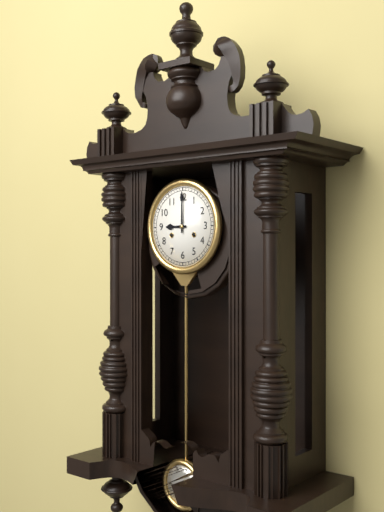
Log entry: 9:00
